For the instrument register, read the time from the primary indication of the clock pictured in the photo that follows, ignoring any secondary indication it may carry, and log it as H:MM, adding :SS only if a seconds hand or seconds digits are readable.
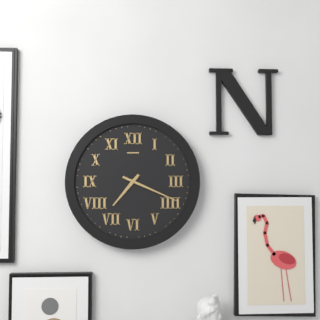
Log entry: 7:19
